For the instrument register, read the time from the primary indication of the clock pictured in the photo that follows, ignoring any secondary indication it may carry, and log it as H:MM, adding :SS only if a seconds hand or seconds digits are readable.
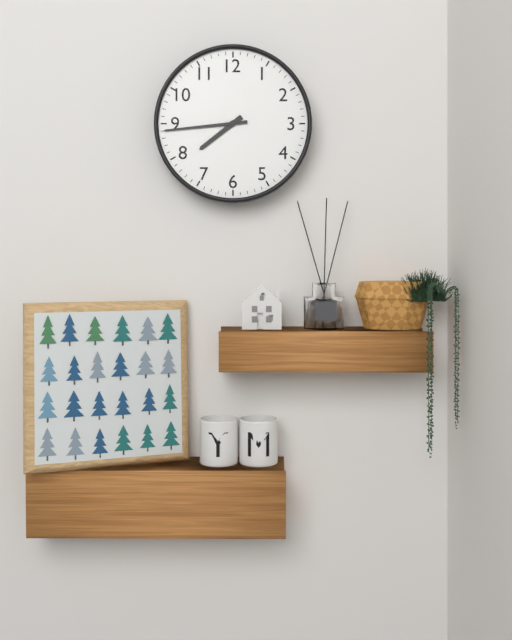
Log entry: 7:44
